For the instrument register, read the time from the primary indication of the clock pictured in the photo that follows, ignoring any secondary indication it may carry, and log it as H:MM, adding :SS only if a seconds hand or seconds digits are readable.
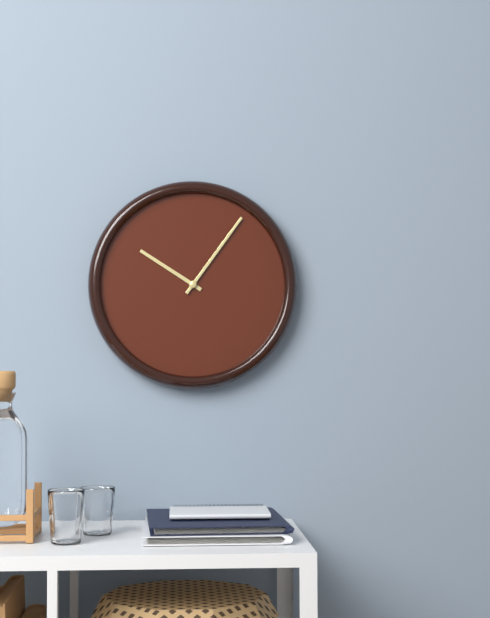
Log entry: 10:06
